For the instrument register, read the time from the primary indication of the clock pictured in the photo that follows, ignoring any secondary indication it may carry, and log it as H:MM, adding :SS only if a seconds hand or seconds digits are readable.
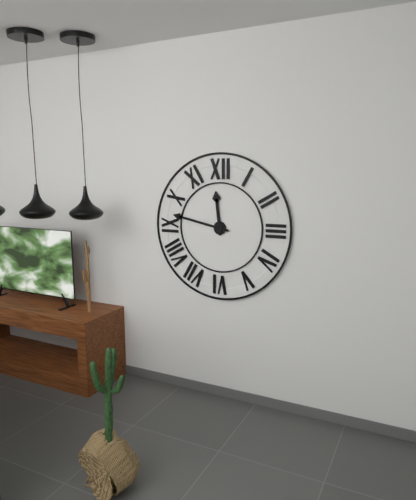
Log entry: 11:47
